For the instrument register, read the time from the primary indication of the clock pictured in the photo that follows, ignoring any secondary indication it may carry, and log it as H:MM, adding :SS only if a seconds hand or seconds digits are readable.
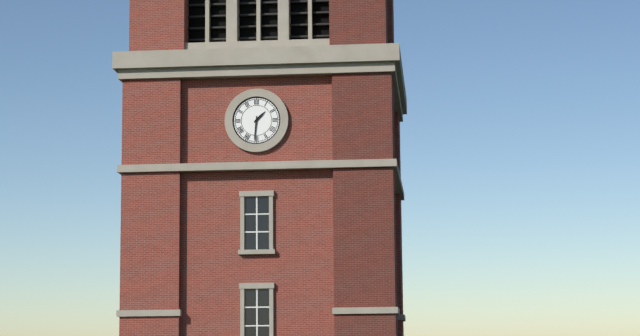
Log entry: 1:31
